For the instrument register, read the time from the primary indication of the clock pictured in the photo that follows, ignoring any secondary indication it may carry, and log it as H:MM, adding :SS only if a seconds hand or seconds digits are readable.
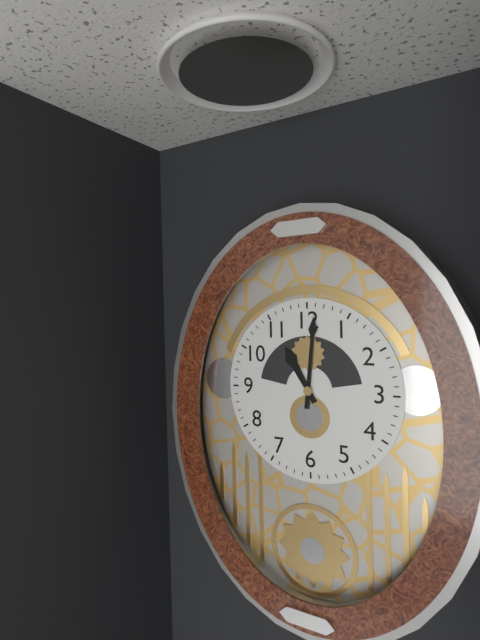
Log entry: 11:01
